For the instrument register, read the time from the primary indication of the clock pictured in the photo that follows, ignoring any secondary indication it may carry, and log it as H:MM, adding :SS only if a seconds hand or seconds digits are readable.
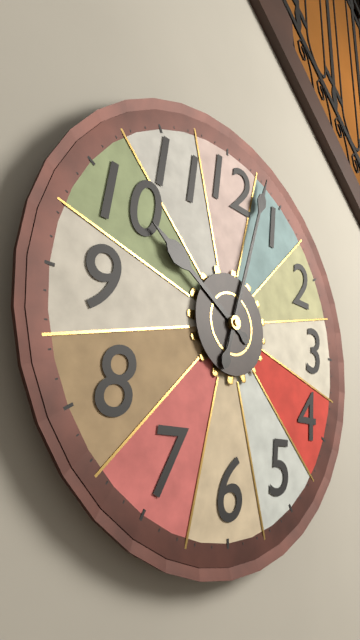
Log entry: 10:03
